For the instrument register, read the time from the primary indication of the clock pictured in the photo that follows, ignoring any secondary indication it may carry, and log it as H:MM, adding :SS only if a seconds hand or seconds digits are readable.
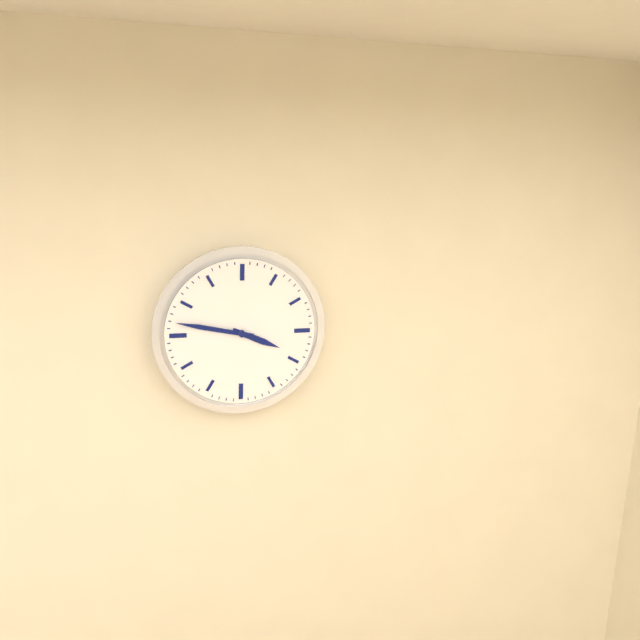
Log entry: 3:47
